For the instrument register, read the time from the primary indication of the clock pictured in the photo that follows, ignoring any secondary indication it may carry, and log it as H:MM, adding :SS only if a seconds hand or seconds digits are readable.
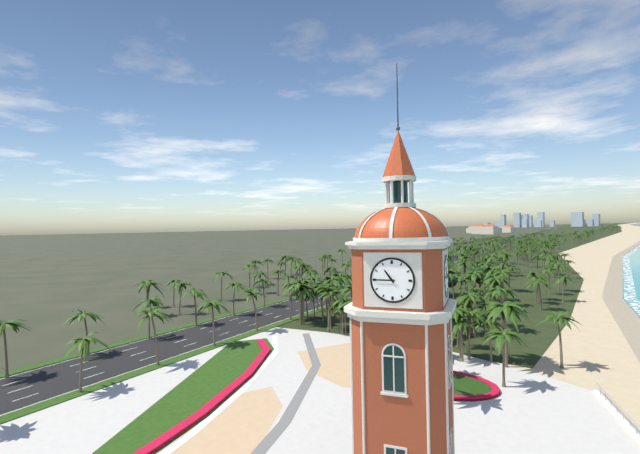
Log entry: 10:45
